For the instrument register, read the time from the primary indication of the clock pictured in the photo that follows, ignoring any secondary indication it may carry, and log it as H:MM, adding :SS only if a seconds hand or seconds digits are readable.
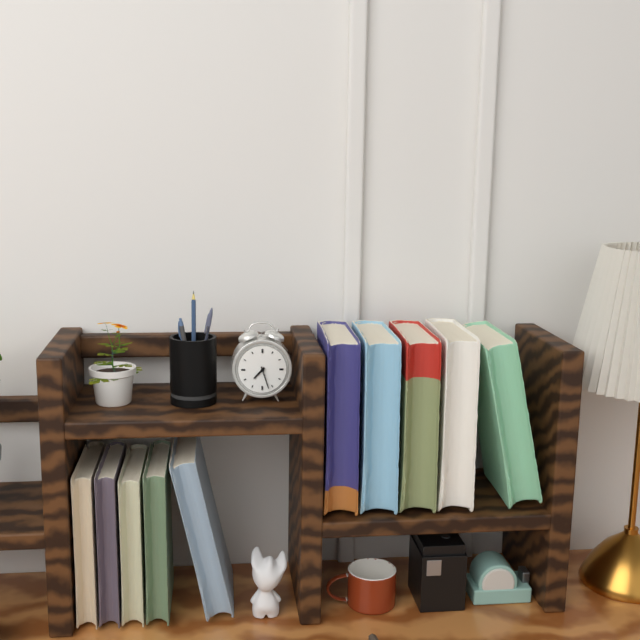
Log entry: 7:27
